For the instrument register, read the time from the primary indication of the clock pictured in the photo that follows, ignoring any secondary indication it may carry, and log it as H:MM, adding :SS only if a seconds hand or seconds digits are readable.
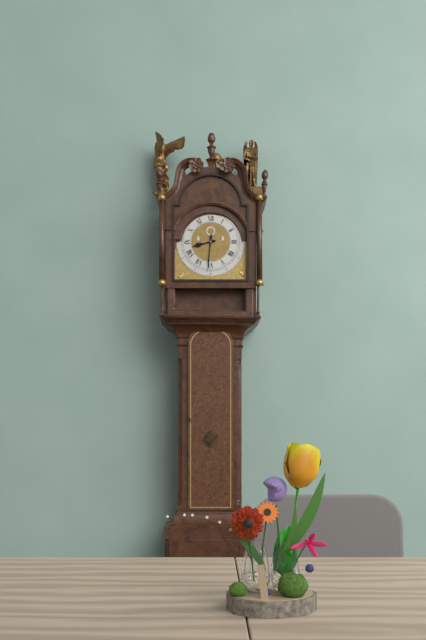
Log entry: 8:31
